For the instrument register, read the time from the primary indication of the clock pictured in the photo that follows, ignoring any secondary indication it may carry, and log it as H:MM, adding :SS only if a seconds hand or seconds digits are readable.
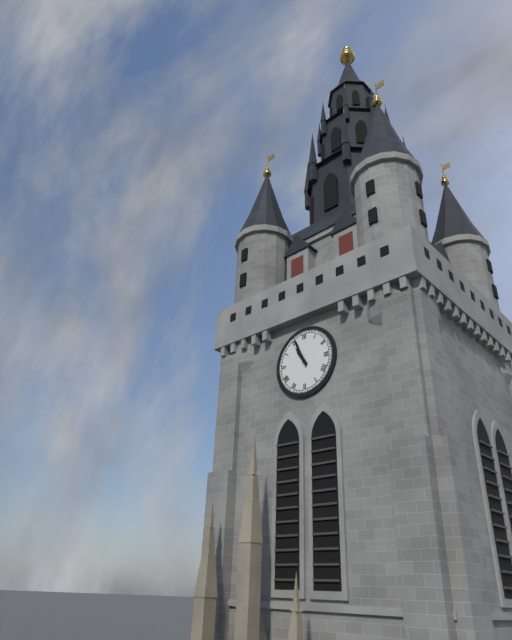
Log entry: 10:56
